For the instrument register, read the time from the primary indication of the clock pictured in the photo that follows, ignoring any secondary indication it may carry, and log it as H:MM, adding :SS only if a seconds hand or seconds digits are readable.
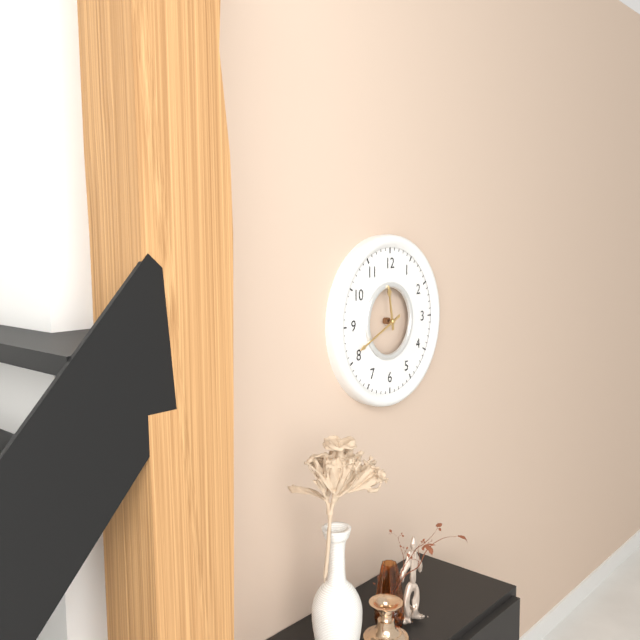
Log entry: 11:41
